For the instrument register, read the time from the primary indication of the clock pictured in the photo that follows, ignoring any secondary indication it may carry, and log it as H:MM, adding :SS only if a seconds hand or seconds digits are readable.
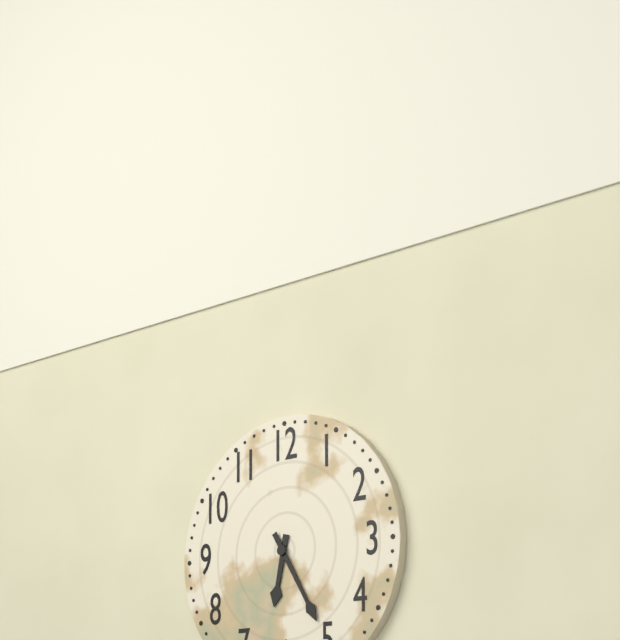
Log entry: 6:25
